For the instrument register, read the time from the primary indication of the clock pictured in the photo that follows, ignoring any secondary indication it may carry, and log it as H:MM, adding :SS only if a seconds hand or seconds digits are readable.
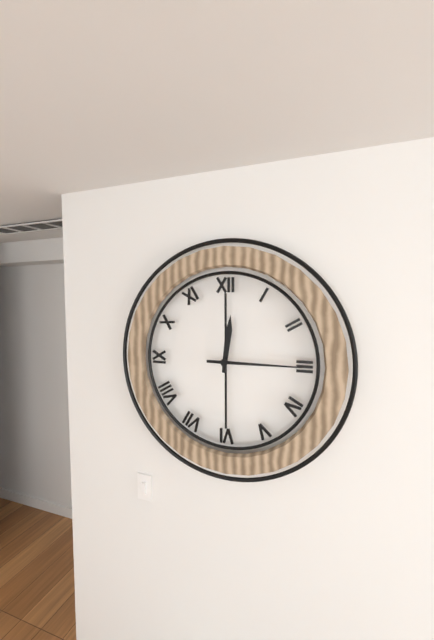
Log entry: 12:15
